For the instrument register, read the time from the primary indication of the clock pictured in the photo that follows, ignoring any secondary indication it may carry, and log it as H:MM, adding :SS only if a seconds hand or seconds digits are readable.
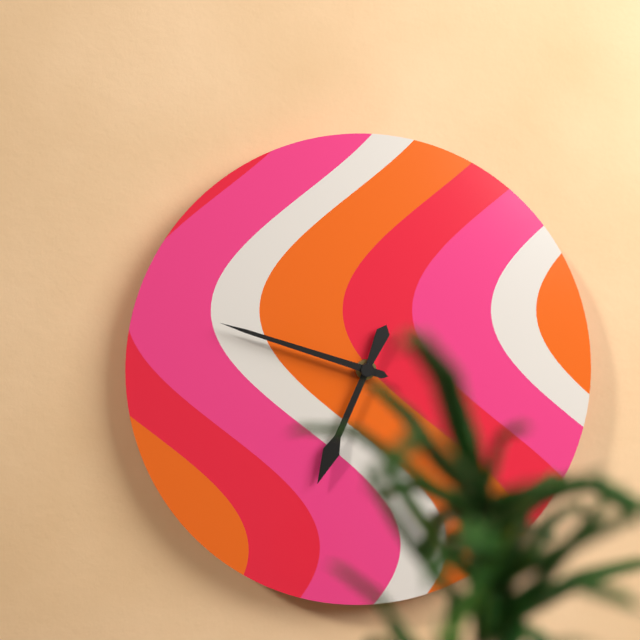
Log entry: 6:48
